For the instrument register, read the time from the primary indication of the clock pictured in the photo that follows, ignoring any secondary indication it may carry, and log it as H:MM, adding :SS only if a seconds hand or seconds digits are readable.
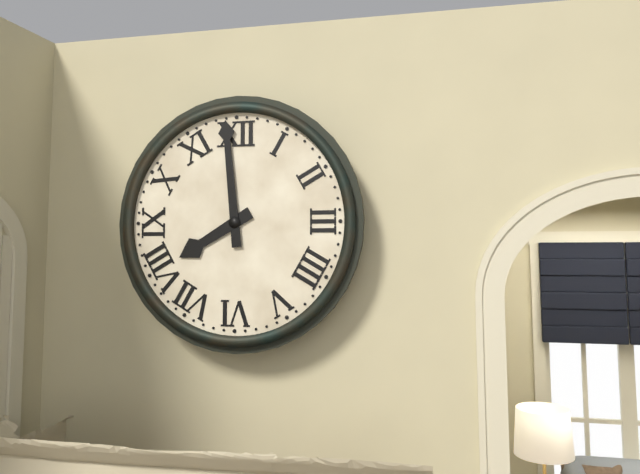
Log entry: 7:59
